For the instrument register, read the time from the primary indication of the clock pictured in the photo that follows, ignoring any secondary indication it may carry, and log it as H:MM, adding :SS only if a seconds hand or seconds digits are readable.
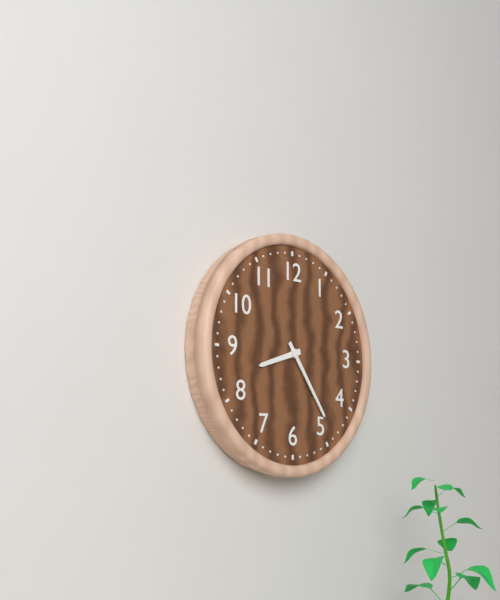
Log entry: 8:24
